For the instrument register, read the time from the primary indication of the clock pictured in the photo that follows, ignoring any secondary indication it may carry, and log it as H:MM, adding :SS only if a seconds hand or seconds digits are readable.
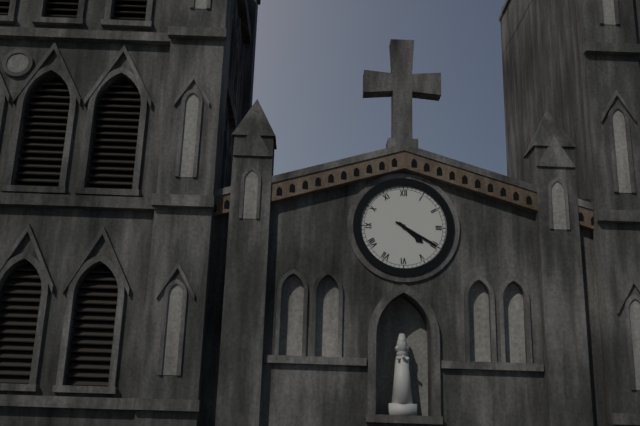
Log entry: 4:20
